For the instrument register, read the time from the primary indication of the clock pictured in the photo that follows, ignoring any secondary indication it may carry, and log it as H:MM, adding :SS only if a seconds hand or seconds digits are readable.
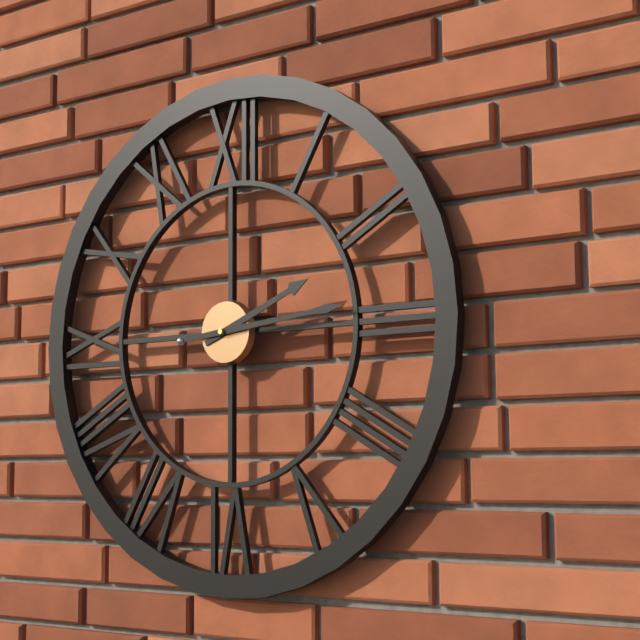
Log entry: 2:14
